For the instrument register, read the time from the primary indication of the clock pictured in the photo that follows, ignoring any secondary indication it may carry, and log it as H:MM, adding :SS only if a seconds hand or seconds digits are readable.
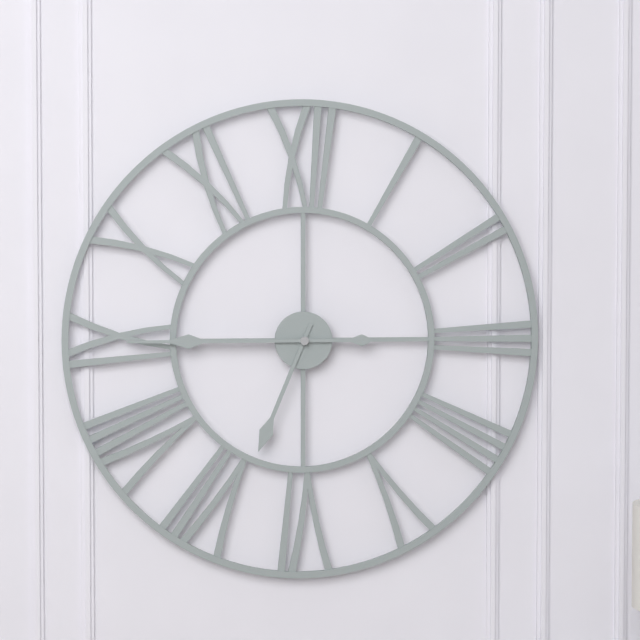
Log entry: 6:45
